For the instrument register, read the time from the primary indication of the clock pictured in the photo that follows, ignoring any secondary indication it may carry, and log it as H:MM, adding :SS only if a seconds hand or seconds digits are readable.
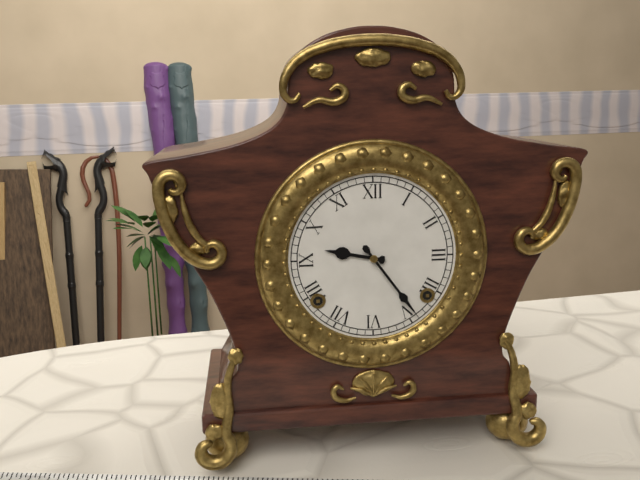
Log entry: 9:24
